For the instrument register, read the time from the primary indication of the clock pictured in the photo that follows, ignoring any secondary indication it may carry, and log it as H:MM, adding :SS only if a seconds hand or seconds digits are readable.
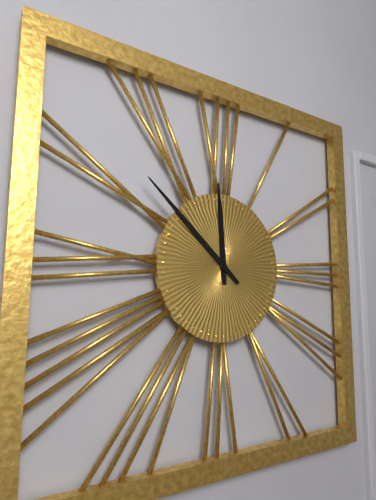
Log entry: 11:52
